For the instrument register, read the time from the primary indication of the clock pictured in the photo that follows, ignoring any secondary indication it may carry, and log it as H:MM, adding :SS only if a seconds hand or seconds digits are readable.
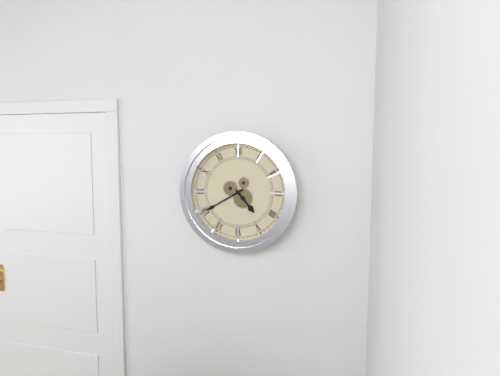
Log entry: 4:40
